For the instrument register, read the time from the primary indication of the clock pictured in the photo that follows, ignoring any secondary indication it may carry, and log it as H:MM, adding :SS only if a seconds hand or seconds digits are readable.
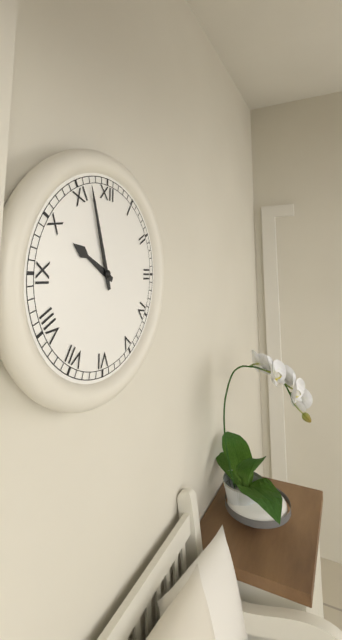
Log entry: 9:57
